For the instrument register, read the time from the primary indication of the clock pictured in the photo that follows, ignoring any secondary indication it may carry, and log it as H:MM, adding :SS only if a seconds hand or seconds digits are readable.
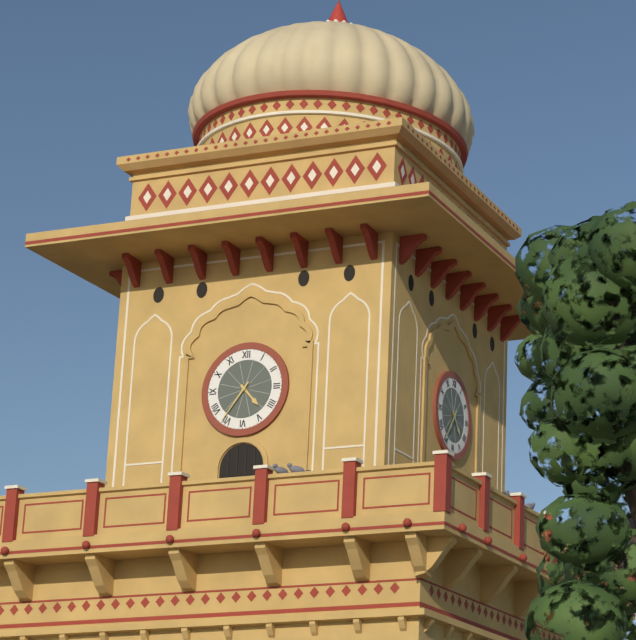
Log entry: 4:36
